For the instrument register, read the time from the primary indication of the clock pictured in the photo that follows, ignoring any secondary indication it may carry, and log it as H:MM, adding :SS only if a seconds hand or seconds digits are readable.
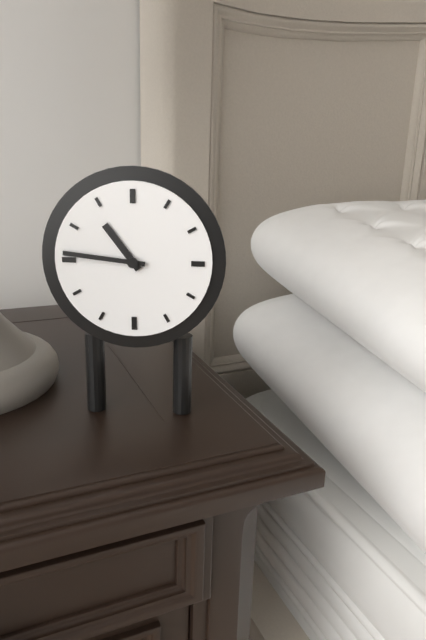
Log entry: 10:46
